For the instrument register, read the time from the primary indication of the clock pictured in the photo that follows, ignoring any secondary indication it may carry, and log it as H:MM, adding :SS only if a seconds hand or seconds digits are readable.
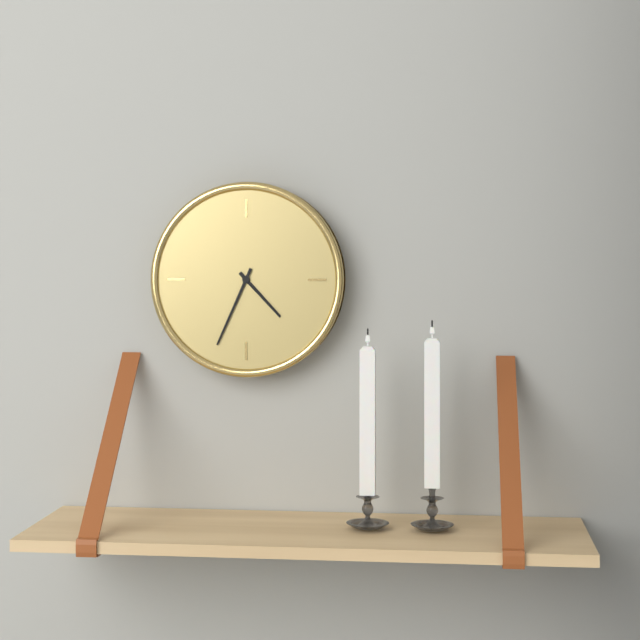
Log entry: 4:34
